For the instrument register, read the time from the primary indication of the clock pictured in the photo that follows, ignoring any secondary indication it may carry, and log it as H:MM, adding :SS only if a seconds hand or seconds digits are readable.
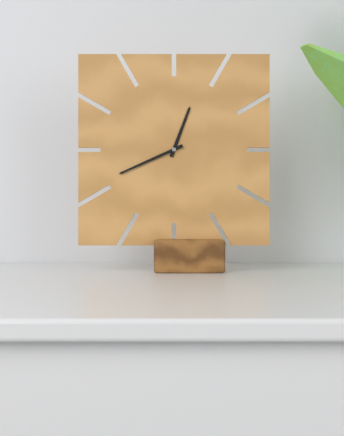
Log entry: 12:41
